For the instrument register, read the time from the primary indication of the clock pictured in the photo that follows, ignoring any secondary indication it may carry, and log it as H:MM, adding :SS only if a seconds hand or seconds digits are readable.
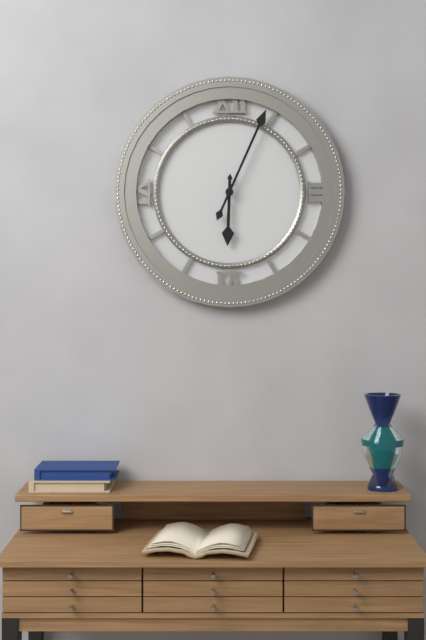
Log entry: 6:04
